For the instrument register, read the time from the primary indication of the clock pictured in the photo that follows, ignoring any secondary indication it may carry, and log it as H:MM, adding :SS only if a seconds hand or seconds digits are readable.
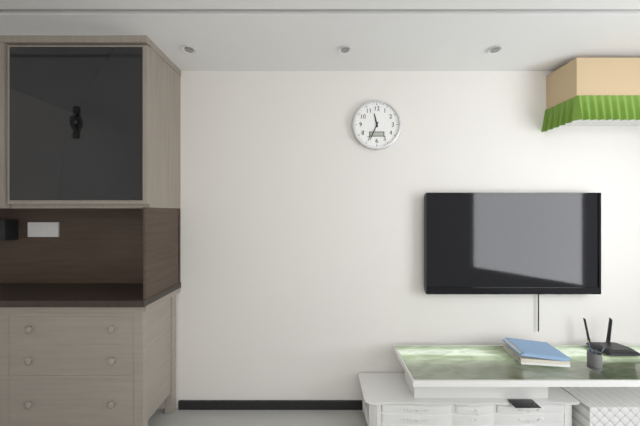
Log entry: 11:34
